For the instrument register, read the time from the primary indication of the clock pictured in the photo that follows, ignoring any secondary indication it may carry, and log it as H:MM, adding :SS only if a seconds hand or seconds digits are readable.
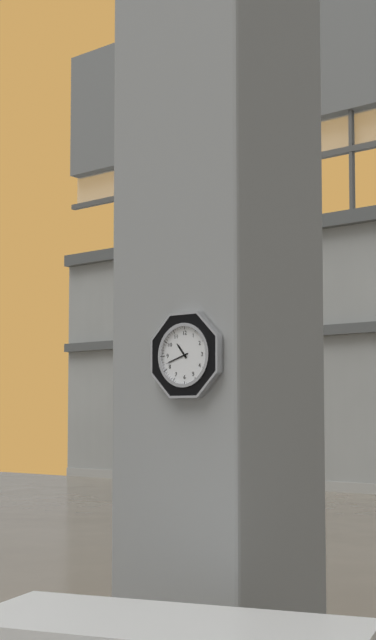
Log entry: 10:42
